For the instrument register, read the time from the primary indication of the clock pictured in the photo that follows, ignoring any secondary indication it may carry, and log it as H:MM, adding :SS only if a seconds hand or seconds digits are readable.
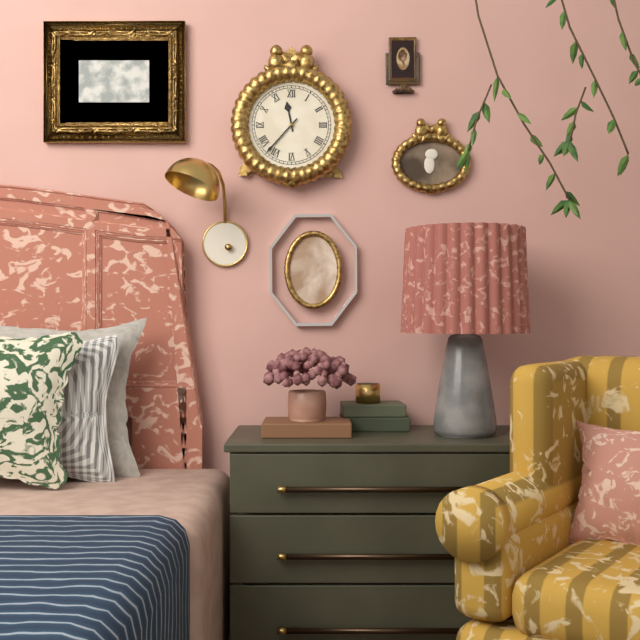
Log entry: 11:37
